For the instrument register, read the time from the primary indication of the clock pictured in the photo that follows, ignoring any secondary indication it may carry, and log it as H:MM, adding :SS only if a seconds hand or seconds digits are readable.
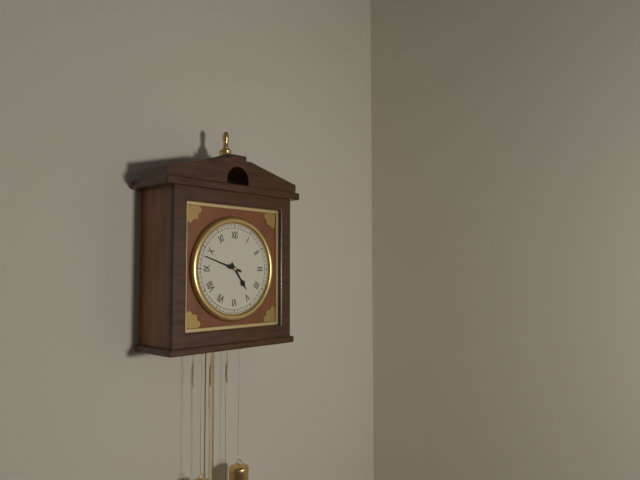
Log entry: 4:48
